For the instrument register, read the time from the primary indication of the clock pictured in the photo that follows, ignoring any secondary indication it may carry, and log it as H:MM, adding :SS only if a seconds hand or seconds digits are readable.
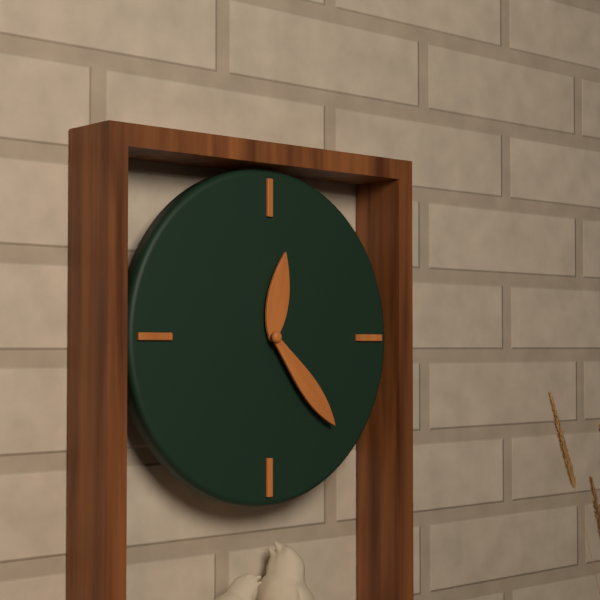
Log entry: 12:23
